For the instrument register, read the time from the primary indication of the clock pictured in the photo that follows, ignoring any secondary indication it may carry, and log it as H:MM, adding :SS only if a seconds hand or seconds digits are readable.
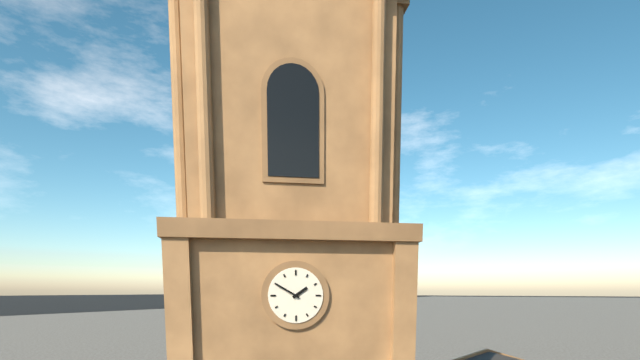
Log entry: 1:50
